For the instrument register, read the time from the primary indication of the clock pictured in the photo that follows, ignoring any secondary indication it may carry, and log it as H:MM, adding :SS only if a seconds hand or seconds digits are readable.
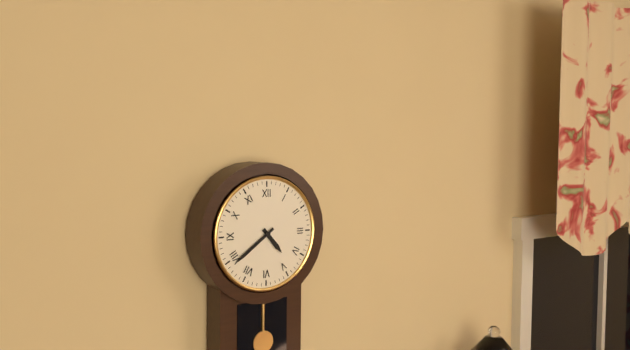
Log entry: 4:39
